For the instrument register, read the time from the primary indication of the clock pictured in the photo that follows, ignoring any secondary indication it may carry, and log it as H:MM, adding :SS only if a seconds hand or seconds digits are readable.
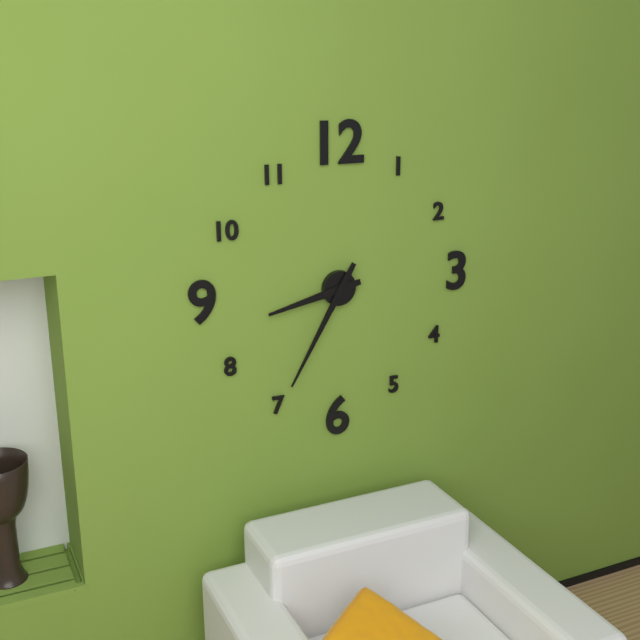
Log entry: 8:35
